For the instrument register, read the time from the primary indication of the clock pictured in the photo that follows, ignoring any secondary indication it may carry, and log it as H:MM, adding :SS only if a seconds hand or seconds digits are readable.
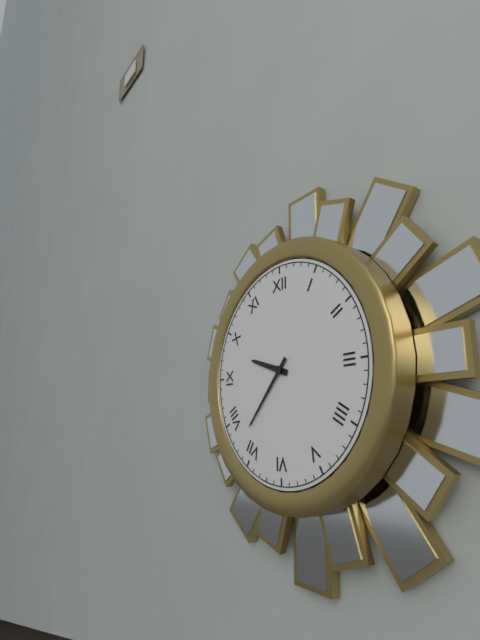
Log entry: 9:37
